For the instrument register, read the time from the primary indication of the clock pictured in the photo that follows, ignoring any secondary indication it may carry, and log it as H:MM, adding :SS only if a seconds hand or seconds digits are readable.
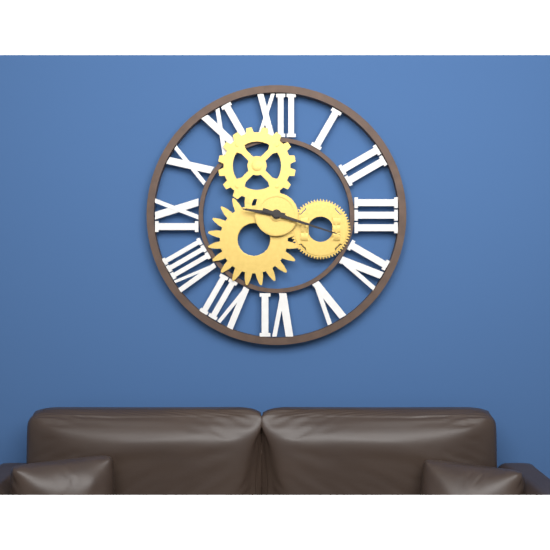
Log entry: 9:18
